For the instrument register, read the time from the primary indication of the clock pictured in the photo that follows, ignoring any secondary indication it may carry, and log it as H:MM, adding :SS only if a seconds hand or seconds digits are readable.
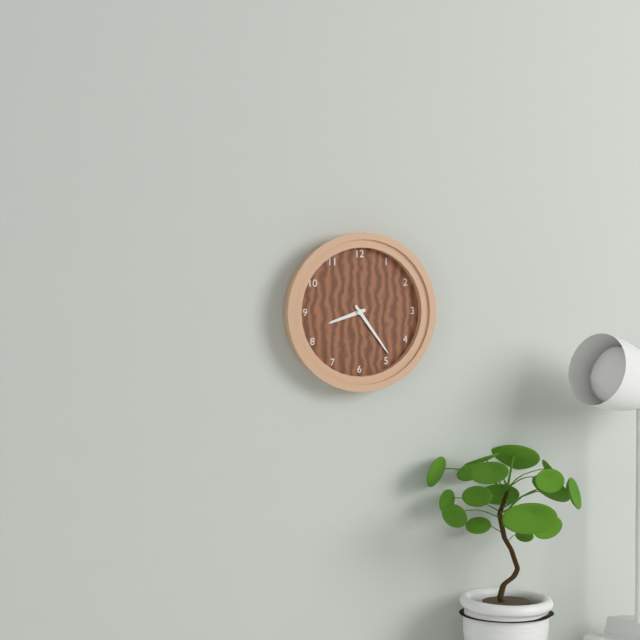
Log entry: 8:24
